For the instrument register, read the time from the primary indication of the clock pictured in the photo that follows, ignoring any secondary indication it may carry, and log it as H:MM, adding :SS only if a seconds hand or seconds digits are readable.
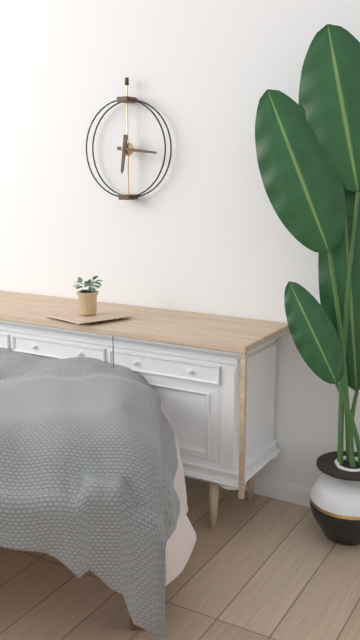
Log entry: 6:16
